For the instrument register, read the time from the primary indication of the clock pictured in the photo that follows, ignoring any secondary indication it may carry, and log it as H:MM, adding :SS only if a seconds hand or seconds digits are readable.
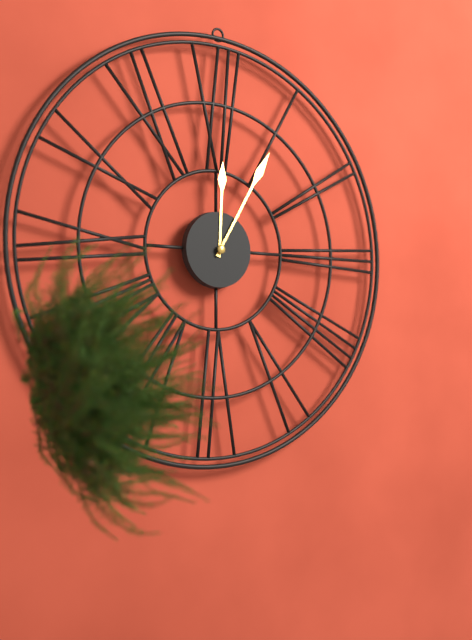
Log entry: 12:05
